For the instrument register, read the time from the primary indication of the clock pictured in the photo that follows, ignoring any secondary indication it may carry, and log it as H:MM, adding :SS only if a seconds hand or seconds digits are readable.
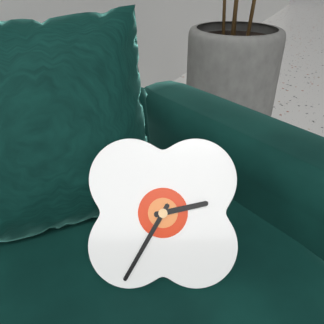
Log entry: 2:35
